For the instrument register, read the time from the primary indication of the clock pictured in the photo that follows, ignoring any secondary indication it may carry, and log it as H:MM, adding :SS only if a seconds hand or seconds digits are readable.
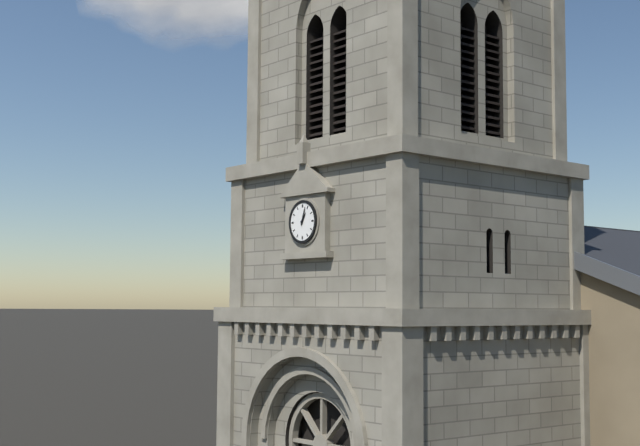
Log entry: 1:03
